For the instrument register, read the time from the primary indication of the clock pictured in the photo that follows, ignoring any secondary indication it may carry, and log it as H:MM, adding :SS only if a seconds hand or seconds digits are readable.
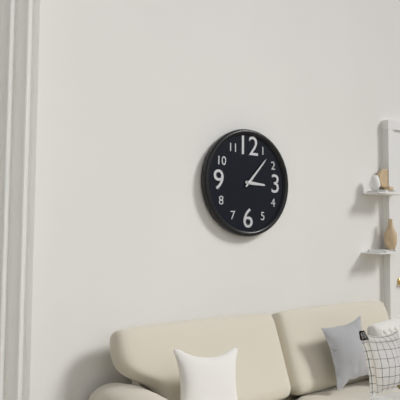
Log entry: 3:07
